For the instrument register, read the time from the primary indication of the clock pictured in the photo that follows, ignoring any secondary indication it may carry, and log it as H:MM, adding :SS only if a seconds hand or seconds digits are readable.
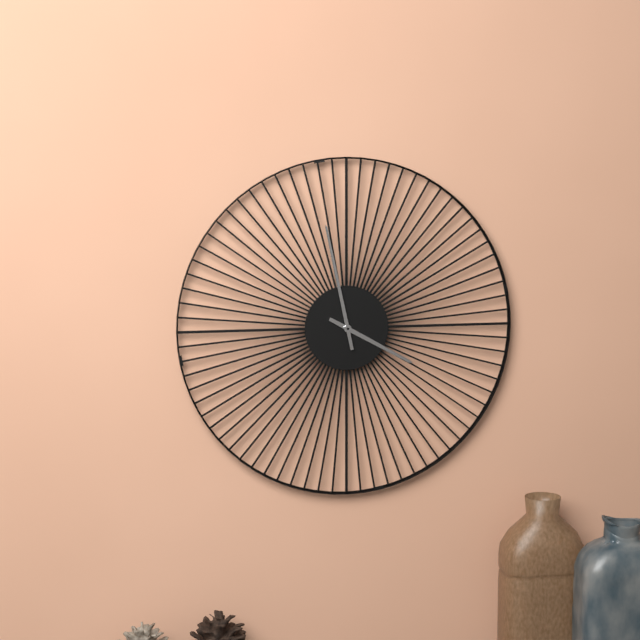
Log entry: 3:58
